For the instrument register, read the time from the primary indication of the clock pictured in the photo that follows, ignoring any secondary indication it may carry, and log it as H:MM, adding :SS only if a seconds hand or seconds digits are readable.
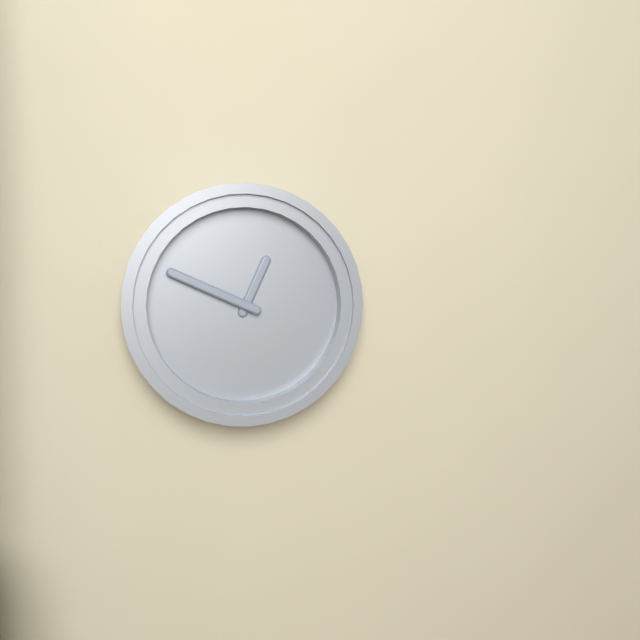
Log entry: 12:49
